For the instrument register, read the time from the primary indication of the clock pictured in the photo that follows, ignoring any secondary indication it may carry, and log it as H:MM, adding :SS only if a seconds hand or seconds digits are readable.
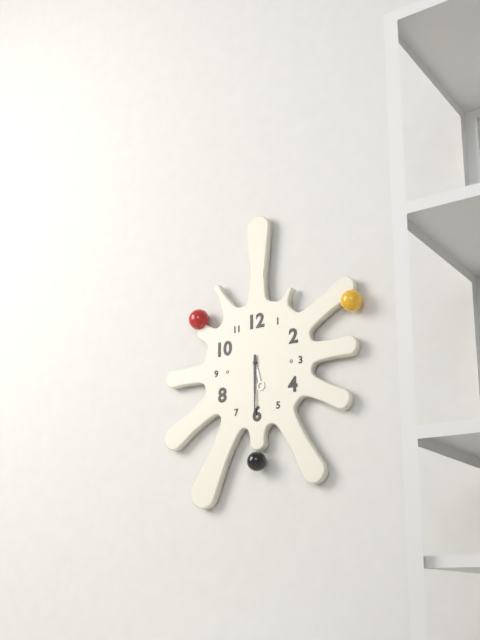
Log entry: 5:30
